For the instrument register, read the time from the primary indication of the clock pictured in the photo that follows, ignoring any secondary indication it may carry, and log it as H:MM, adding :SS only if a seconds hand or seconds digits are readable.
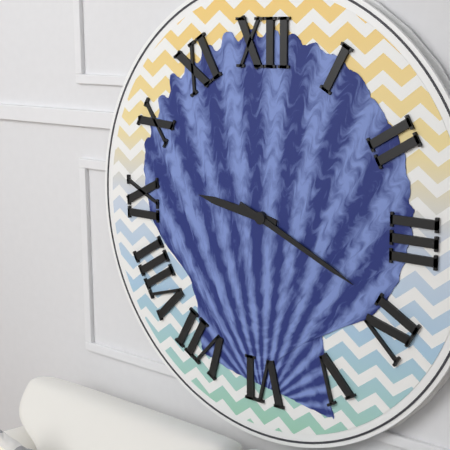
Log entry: 9:19
